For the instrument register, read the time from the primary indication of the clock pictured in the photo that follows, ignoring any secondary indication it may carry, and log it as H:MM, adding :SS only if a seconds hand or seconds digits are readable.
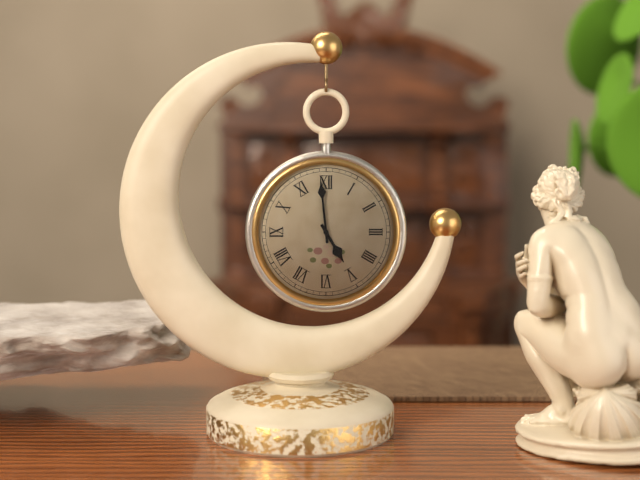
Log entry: 4:59
